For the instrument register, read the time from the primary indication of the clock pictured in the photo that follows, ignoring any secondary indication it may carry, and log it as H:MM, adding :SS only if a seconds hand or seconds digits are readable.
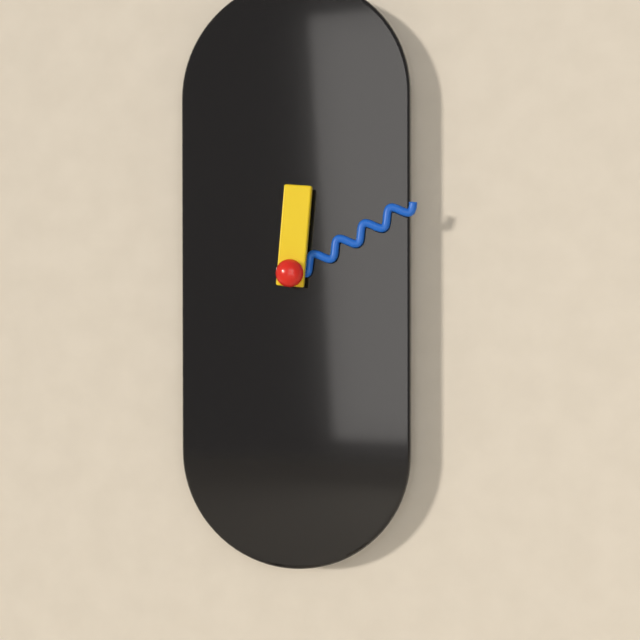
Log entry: 12:10
